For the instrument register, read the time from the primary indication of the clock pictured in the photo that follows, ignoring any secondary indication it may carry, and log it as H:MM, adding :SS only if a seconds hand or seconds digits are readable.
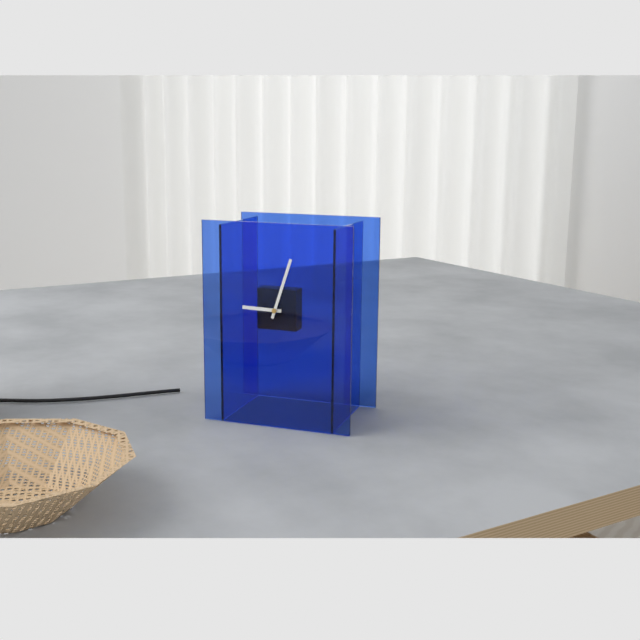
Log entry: 9:03
